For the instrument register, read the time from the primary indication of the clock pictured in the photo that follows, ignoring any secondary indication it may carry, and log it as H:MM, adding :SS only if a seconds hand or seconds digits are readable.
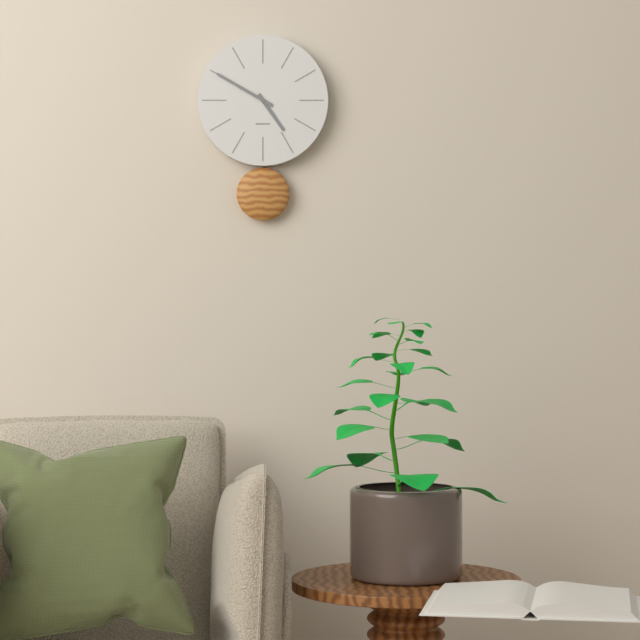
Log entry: 4:50
